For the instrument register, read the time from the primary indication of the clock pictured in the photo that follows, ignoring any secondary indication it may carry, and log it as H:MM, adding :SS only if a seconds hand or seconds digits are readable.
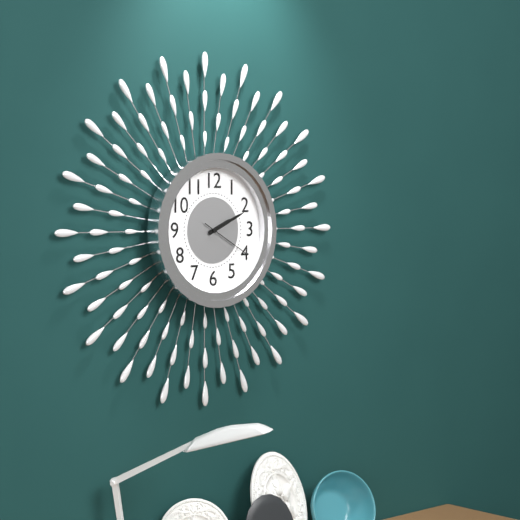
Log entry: 2:11
